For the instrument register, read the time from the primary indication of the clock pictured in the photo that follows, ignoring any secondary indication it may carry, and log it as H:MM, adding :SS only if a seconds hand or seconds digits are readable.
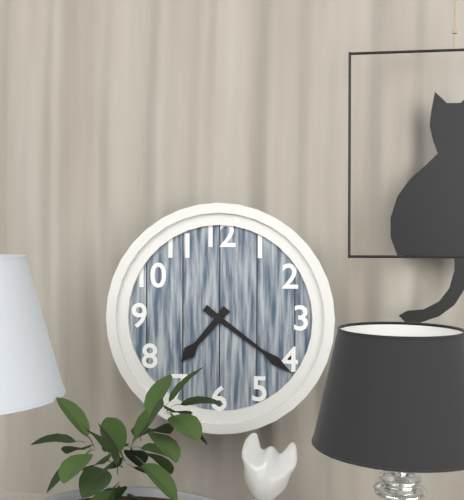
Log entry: 7:21
